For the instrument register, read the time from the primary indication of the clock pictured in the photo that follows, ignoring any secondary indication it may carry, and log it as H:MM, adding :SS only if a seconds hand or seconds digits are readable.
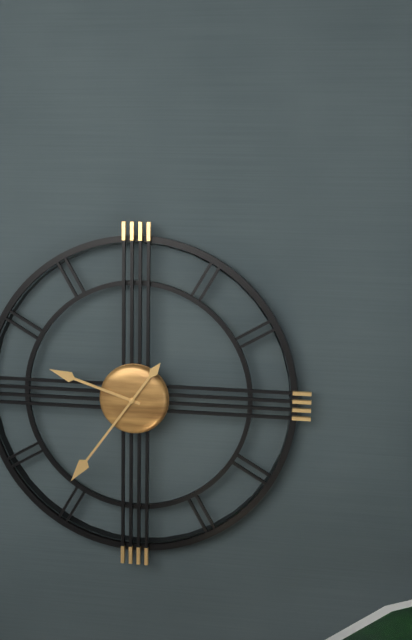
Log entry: 9:36
